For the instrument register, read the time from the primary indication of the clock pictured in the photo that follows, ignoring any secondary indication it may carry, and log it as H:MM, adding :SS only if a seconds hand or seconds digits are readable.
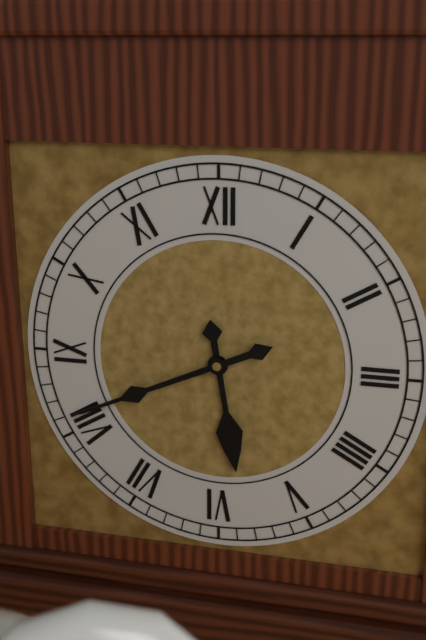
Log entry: 5:41
